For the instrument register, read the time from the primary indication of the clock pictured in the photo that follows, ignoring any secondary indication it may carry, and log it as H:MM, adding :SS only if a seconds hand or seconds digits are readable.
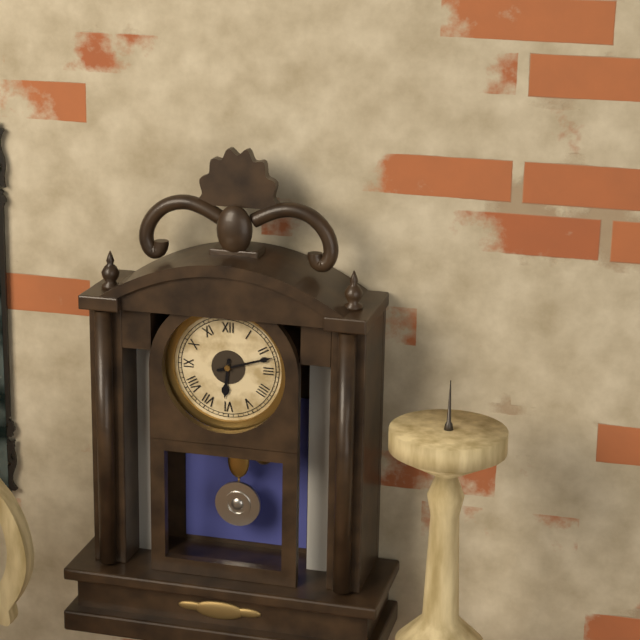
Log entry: 6:12
